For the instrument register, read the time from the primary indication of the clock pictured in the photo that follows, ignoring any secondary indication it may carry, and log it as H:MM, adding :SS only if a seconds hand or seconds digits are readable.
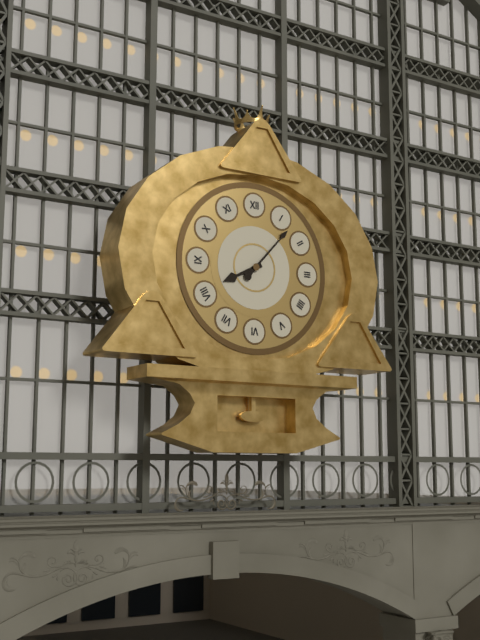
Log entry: 8:07
